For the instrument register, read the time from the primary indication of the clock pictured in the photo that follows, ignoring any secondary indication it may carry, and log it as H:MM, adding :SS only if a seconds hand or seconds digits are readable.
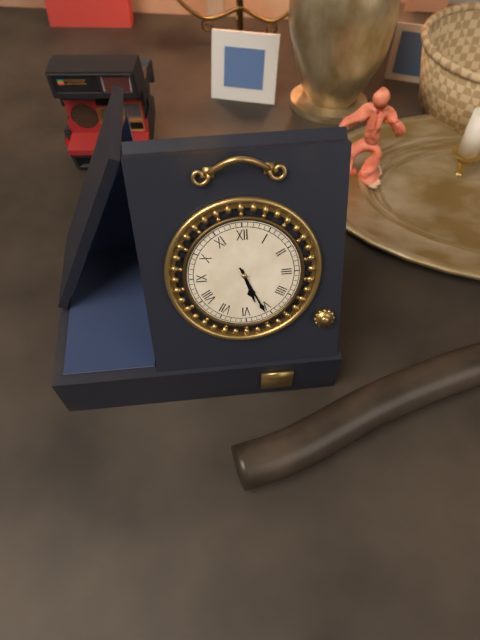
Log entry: 5:26
